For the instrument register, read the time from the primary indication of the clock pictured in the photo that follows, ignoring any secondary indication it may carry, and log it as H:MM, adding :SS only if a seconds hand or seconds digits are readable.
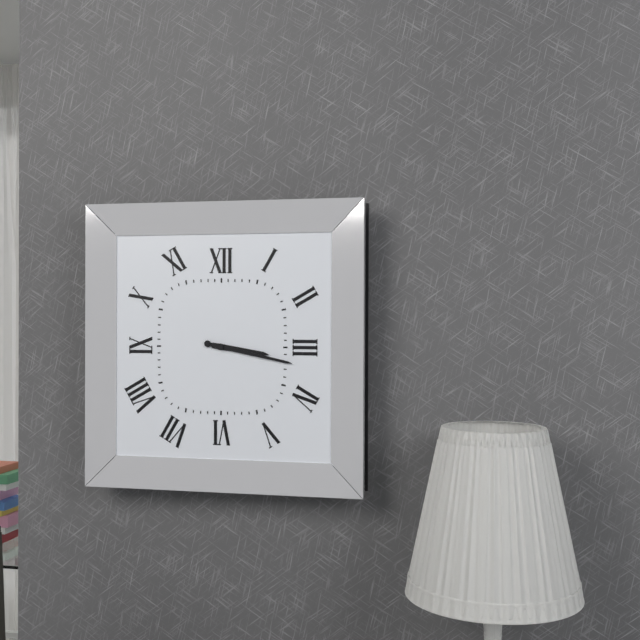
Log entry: 3:17
